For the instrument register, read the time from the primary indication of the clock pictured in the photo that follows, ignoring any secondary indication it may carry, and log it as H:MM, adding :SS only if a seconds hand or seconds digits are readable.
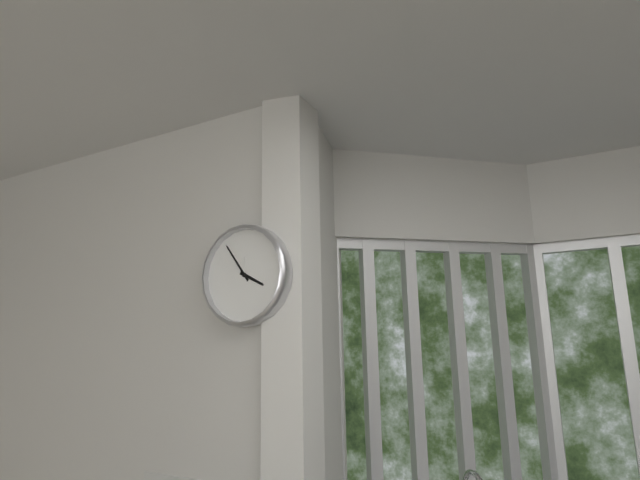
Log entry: 3:54
